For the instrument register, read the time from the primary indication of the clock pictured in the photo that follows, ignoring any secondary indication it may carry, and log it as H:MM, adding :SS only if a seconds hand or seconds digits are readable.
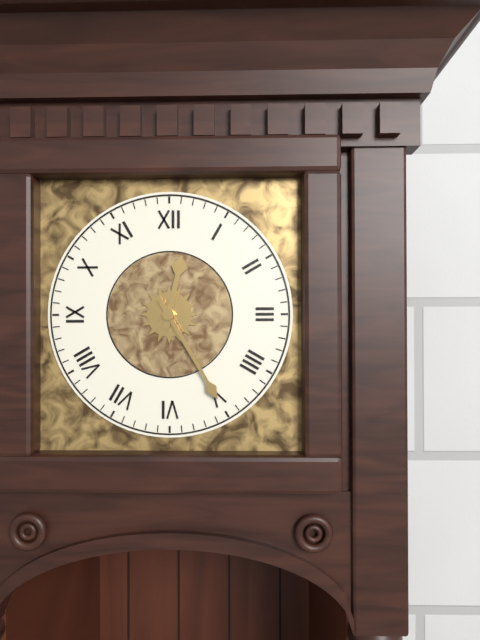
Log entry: 12:25
